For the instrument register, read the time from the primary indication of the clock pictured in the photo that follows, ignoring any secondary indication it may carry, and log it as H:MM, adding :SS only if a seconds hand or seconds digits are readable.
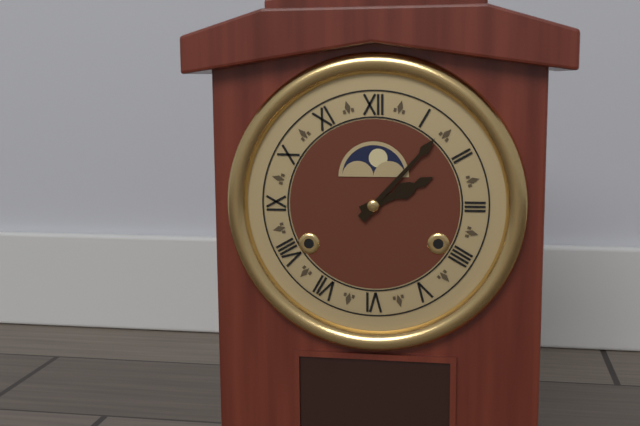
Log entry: 2:07
